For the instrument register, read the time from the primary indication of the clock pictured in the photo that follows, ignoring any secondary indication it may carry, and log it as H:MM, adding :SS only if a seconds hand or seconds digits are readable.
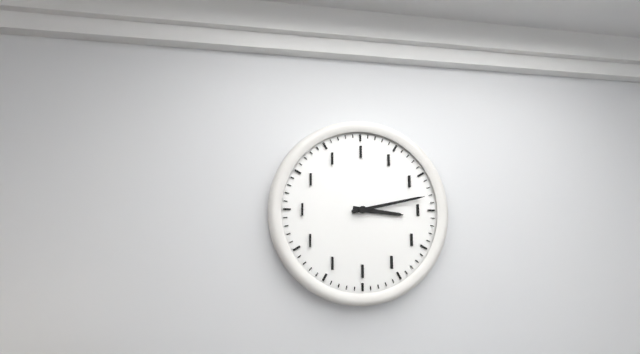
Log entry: 3:13
